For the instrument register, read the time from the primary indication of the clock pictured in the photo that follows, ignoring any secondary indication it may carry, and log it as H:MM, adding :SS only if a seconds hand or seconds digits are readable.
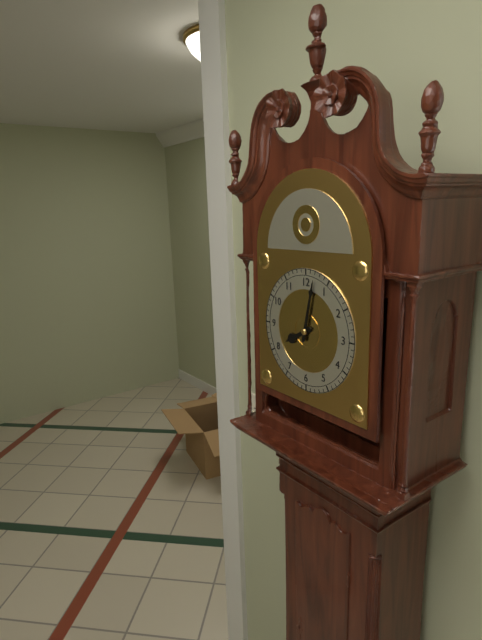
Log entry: 8:02
